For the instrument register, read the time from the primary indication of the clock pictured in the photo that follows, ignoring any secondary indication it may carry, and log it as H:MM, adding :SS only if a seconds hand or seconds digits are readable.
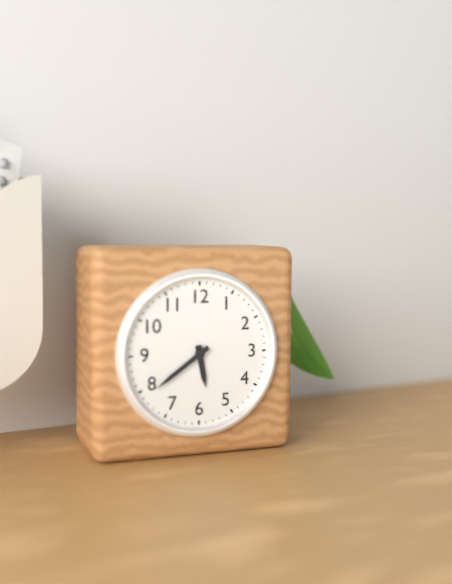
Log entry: 5:39
